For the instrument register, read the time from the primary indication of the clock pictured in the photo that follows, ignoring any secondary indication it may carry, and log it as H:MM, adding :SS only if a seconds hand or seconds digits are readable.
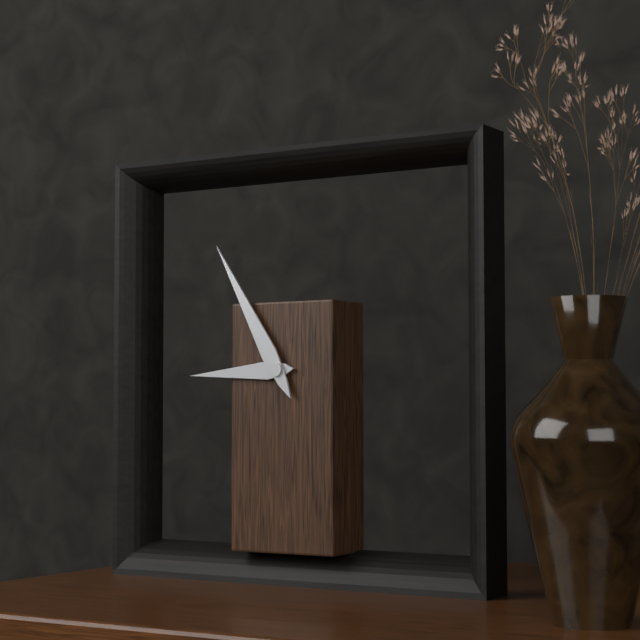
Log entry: 8:55
